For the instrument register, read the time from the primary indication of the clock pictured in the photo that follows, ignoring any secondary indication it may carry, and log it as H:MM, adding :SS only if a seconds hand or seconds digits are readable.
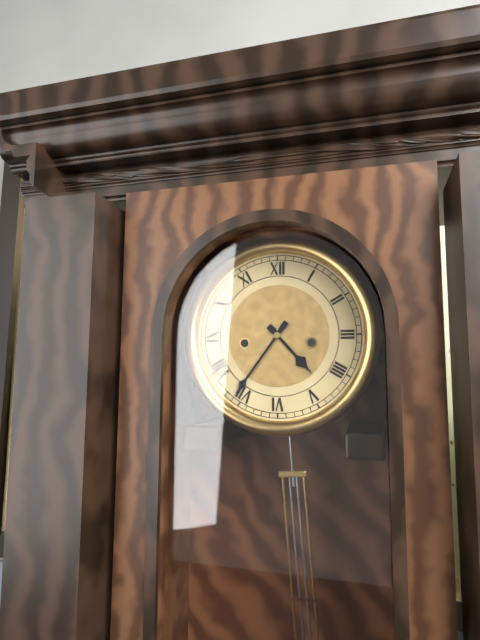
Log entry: 4:36
